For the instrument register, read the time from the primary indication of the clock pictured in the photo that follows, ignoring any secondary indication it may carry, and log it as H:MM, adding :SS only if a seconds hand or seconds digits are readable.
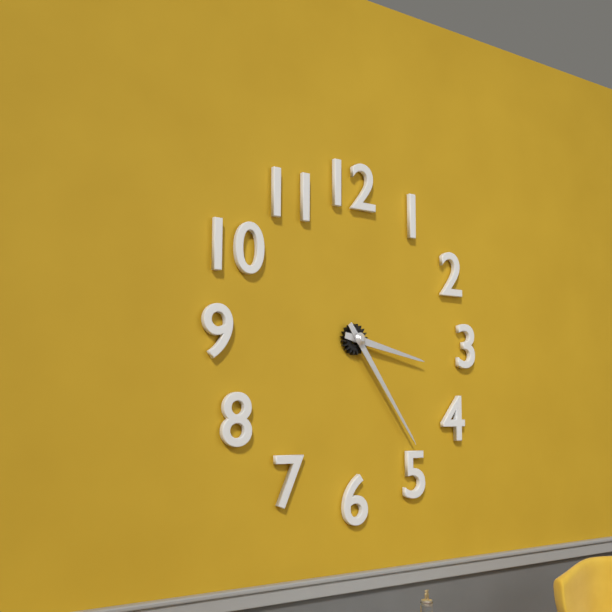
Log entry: 3:24
